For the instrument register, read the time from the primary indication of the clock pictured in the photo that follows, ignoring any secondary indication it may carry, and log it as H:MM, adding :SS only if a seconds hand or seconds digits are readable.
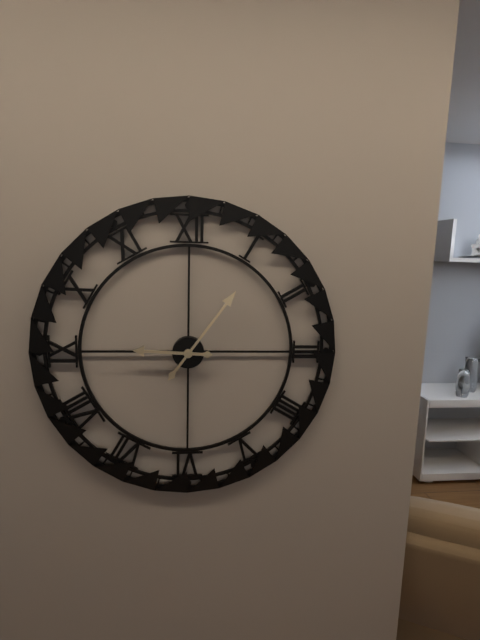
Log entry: 9:06
